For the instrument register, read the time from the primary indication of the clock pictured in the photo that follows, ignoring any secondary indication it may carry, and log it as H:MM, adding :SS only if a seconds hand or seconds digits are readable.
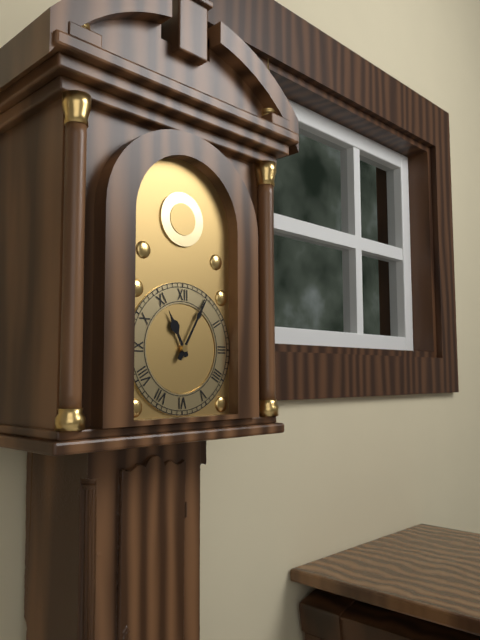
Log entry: 11:05
